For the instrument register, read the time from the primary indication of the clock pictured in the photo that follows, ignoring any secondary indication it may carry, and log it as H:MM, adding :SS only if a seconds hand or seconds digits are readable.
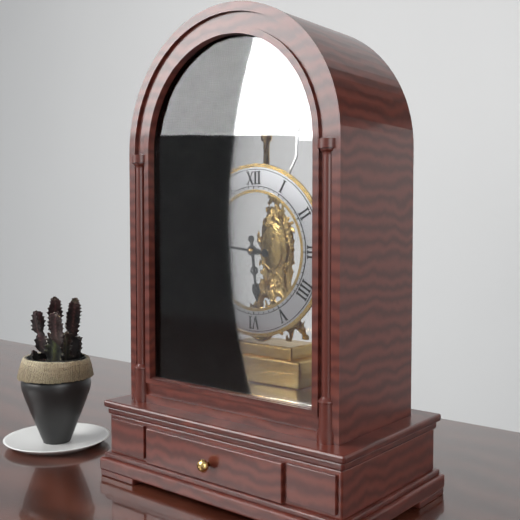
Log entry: 5:46
